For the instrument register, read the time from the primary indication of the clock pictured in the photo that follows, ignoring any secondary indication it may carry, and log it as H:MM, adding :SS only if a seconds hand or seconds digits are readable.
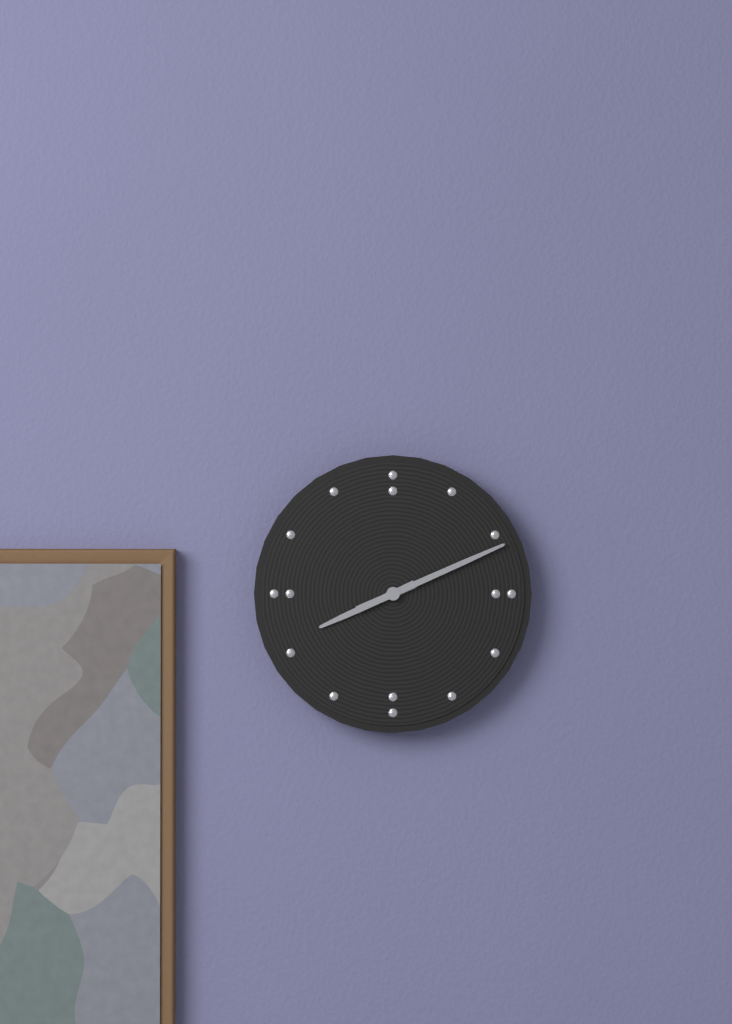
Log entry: 8:11
